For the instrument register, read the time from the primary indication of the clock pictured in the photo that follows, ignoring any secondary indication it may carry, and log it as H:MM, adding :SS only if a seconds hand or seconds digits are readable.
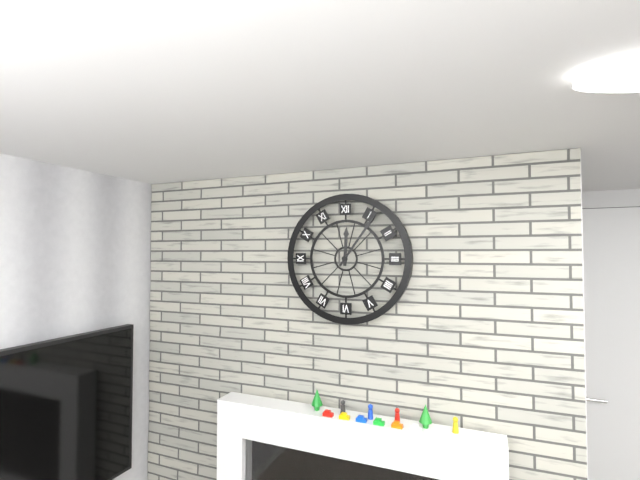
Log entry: 12:06
